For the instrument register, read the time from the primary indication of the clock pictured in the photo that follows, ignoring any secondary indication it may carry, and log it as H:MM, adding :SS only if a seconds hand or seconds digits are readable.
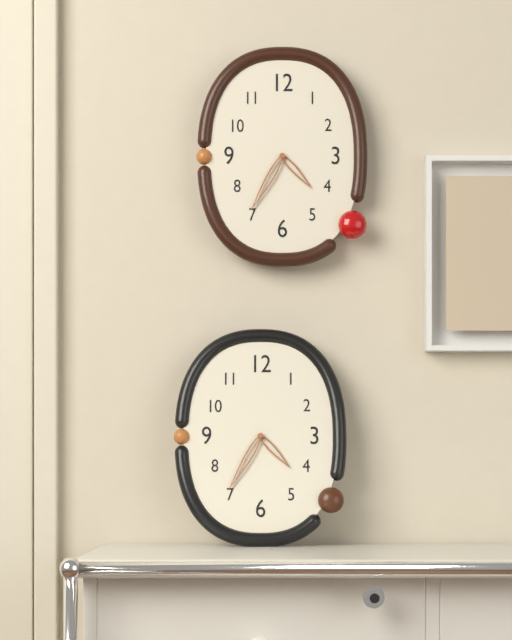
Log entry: 4:35
